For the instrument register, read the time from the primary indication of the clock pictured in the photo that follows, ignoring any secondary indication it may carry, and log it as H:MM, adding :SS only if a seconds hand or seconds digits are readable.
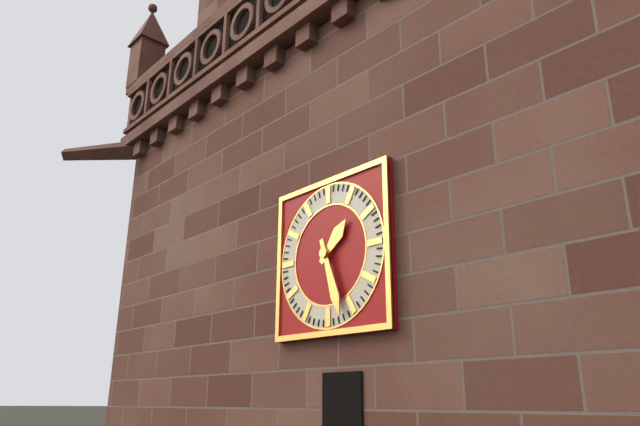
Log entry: 1:27
